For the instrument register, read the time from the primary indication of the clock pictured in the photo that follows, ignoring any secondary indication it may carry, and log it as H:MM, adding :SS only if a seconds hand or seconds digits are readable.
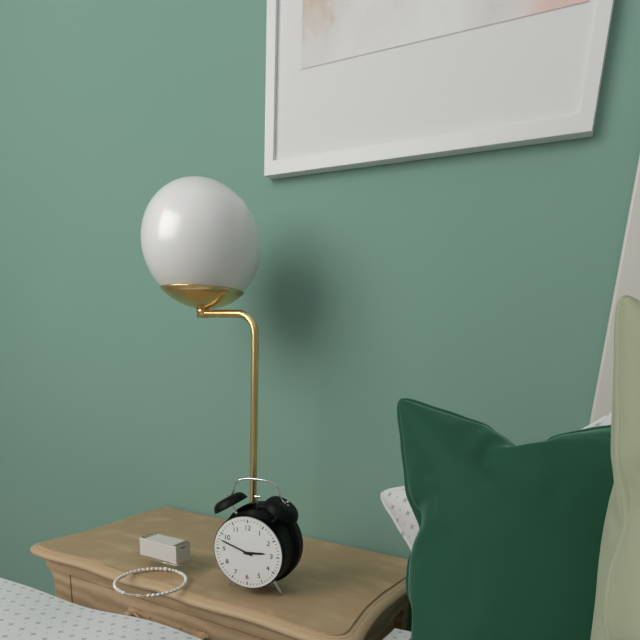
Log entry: 2:48
